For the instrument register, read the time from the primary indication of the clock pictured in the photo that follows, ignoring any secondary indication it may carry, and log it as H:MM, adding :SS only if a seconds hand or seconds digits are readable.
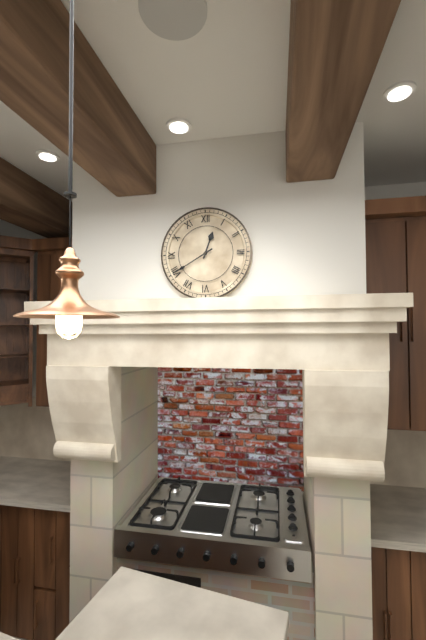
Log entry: 12:40
